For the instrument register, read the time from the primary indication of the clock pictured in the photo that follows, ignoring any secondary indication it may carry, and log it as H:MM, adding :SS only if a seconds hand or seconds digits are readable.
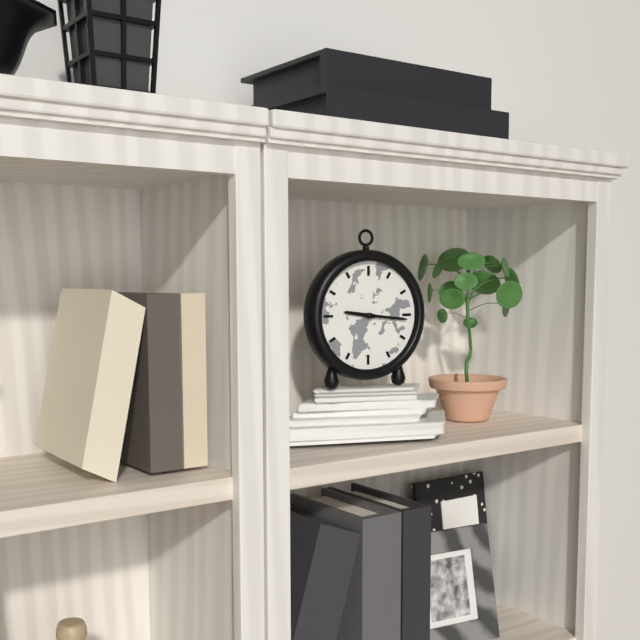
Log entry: 9:16
